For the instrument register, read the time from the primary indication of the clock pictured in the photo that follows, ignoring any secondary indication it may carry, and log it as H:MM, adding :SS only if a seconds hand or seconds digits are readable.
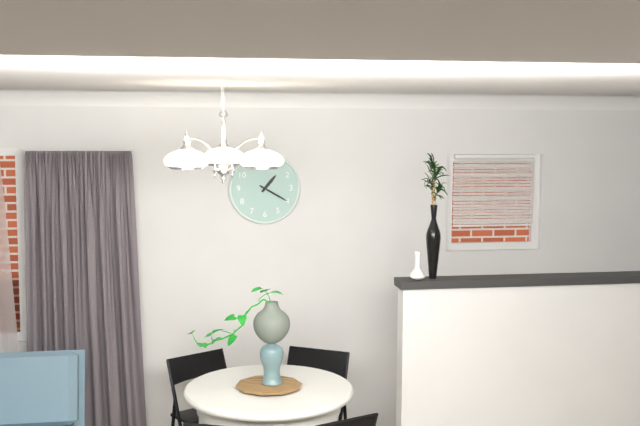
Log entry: 1:20
